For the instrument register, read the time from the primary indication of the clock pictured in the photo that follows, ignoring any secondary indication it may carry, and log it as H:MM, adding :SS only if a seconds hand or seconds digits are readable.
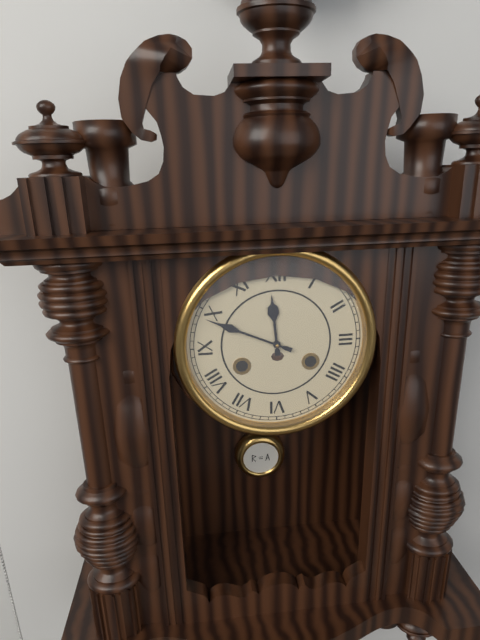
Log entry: 11:49
